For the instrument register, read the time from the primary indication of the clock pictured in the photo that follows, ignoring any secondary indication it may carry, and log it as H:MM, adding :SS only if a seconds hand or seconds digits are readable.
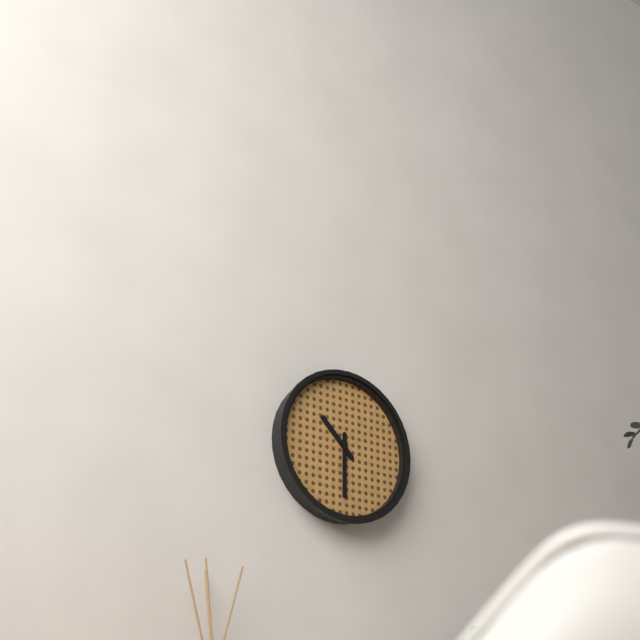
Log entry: 10:30
